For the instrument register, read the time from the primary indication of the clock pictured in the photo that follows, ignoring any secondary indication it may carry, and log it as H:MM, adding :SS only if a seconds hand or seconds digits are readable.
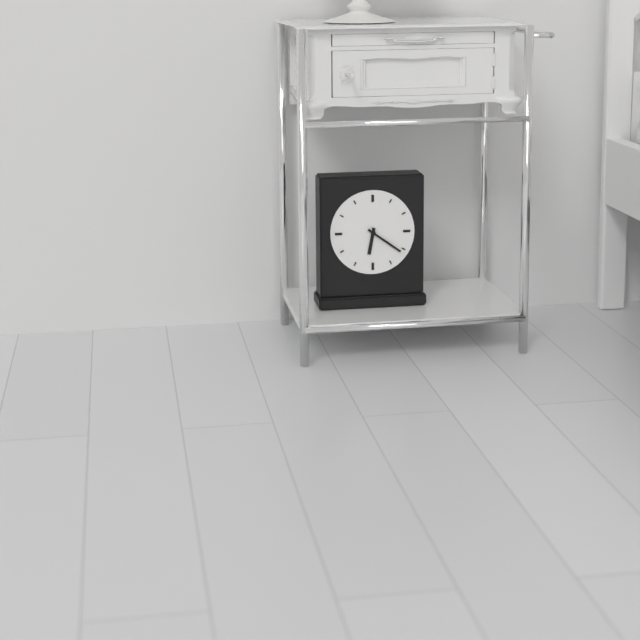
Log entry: 6:21
